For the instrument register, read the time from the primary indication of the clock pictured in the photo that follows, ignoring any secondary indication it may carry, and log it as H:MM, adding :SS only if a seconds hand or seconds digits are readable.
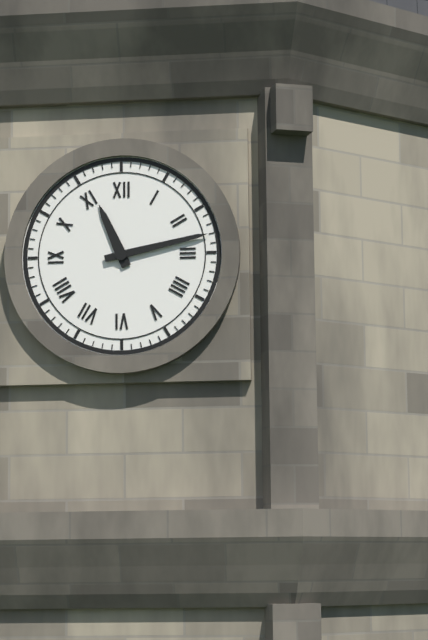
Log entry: 11:13
